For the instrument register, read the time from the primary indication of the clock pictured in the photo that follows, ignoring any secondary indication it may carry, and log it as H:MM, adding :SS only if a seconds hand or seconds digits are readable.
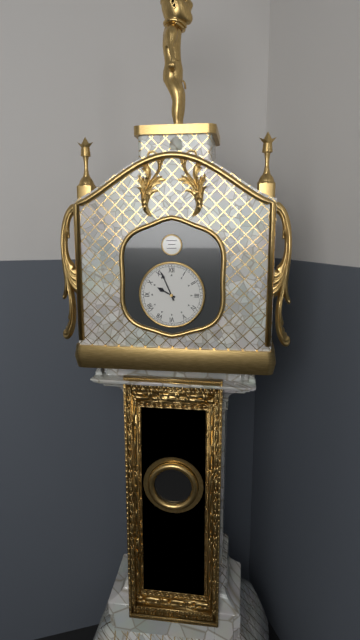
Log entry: 9:56
